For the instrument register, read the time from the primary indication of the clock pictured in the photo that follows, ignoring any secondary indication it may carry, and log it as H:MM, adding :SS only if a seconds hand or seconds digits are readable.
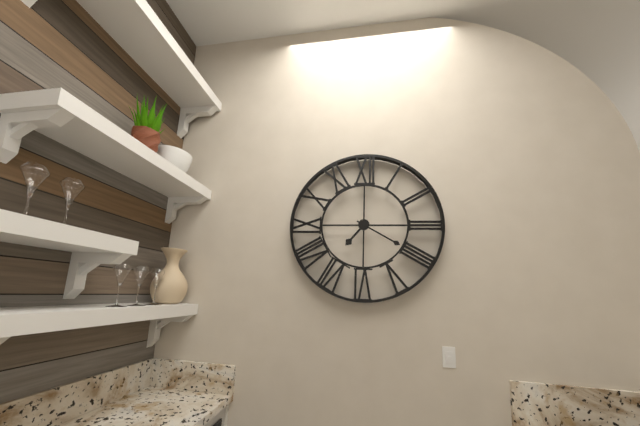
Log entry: 7:20
